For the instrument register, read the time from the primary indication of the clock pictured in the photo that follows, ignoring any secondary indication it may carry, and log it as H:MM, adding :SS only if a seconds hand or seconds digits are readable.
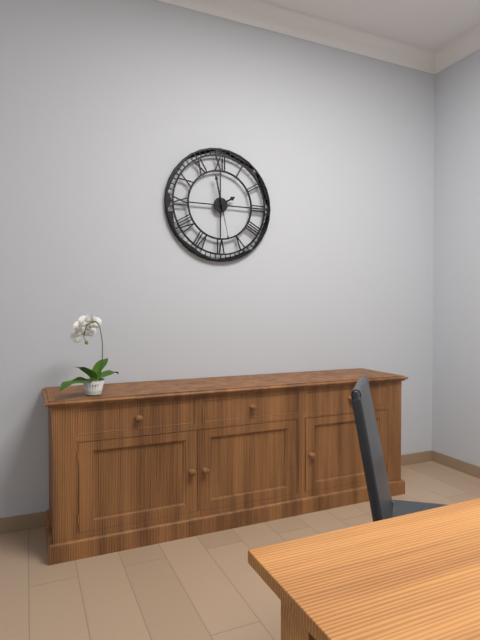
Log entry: 1:58
